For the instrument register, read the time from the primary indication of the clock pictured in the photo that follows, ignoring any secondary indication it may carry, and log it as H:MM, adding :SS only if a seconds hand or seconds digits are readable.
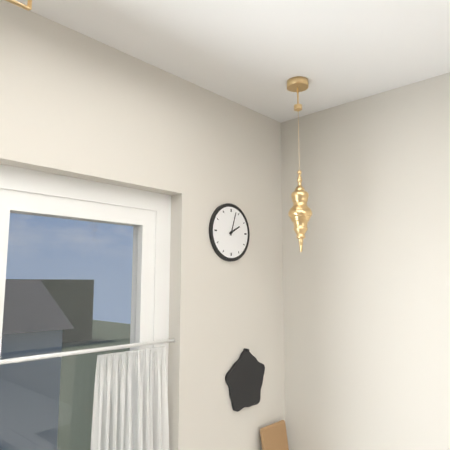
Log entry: 2:03
